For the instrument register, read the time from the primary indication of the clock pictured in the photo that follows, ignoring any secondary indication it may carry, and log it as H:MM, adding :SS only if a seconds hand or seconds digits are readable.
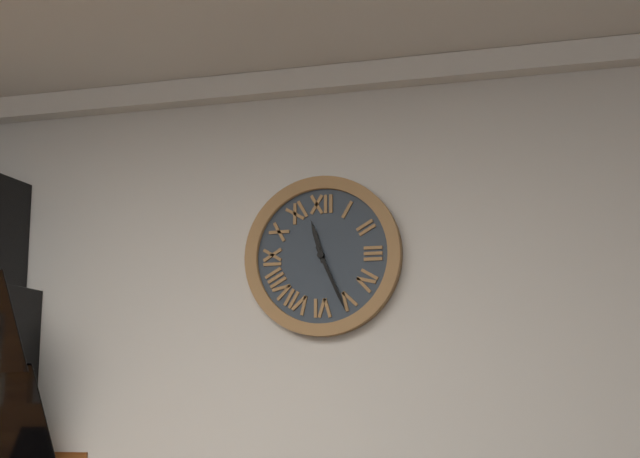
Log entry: 11:26
